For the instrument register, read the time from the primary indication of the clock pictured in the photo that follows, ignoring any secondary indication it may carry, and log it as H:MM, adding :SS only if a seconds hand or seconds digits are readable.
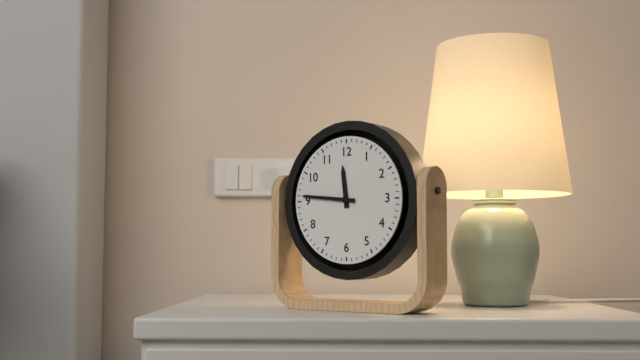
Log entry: 11:46
